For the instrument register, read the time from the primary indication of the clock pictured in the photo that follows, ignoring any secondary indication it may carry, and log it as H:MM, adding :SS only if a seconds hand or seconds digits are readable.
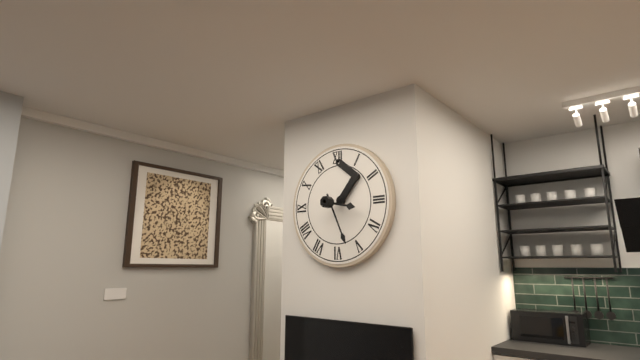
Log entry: 3:26
